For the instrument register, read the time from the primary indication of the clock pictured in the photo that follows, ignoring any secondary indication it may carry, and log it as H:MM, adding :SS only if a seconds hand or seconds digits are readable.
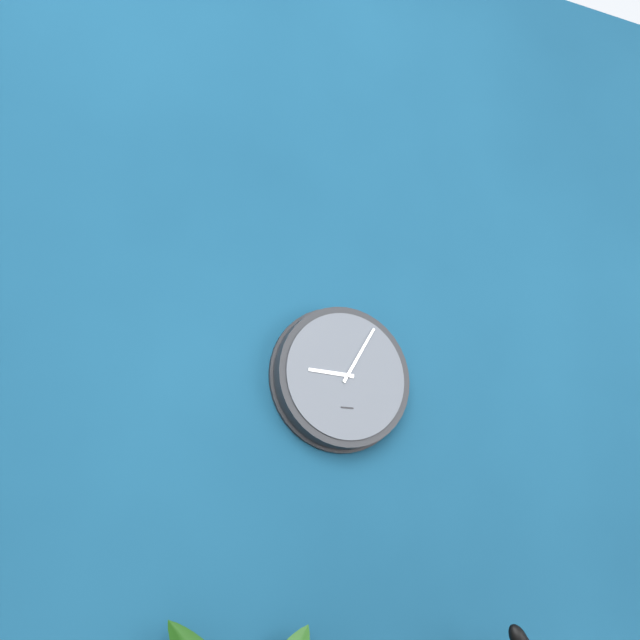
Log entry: 9:05
